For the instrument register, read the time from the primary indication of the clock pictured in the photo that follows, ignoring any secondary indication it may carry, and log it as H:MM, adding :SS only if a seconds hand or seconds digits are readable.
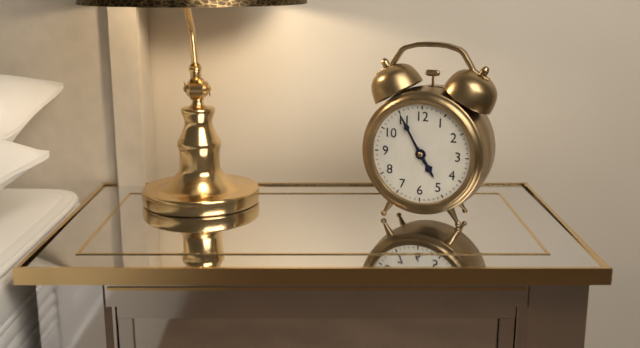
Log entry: 4:55
